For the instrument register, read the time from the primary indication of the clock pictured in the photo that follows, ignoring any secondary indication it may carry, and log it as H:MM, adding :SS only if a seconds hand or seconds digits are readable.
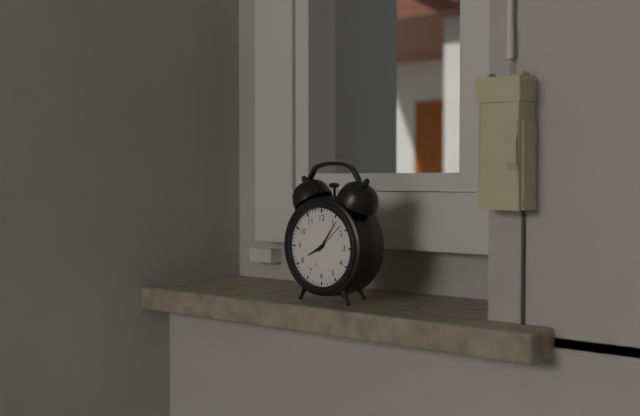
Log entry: 8:06
